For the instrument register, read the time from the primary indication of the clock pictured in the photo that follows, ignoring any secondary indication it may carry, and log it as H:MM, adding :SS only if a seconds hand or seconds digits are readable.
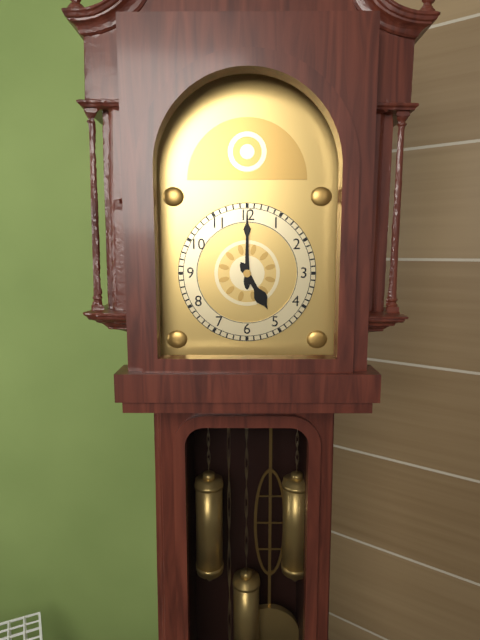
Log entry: 5:00
